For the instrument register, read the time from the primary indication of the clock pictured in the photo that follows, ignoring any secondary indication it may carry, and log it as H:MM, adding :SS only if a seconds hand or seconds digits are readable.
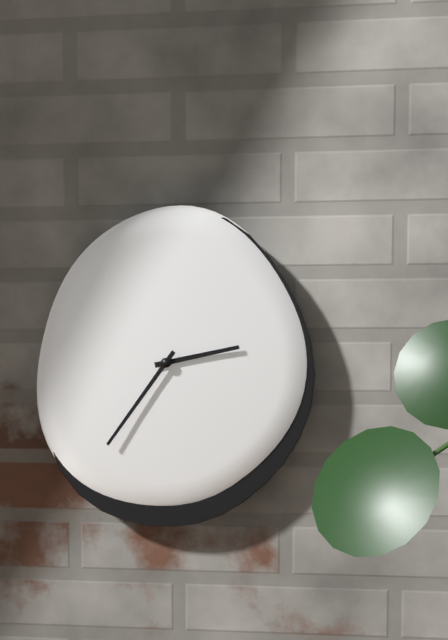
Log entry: 2:36
